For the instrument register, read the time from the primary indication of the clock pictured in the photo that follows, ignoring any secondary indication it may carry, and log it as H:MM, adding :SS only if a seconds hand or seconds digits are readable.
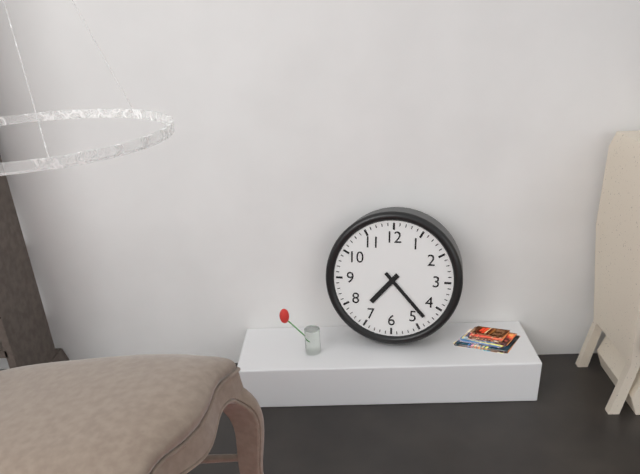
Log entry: 7:23
